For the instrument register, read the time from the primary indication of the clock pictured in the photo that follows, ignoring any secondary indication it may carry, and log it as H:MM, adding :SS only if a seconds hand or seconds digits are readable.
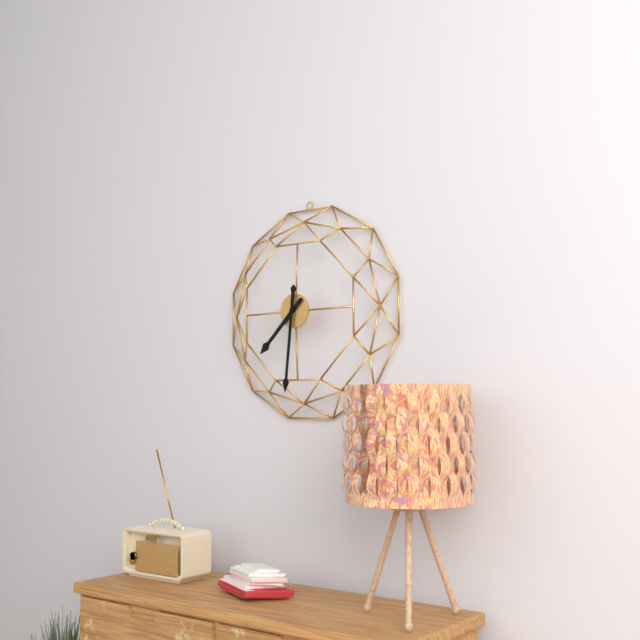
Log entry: 7:31
